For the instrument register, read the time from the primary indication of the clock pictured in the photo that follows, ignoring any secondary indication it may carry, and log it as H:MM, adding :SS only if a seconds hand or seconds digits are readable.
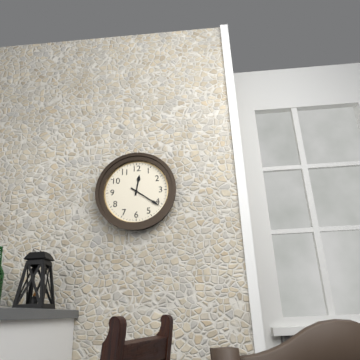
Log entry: 12:21
